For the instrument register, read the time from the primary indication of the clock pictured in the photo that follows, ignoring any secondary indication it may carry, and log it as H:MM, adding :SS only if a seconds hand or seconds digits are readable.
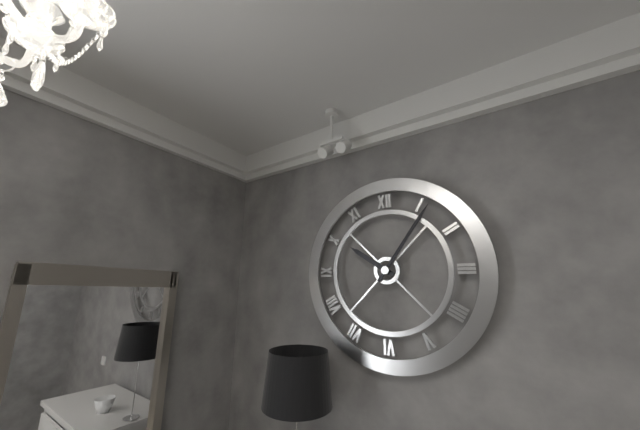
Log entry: 10:06
